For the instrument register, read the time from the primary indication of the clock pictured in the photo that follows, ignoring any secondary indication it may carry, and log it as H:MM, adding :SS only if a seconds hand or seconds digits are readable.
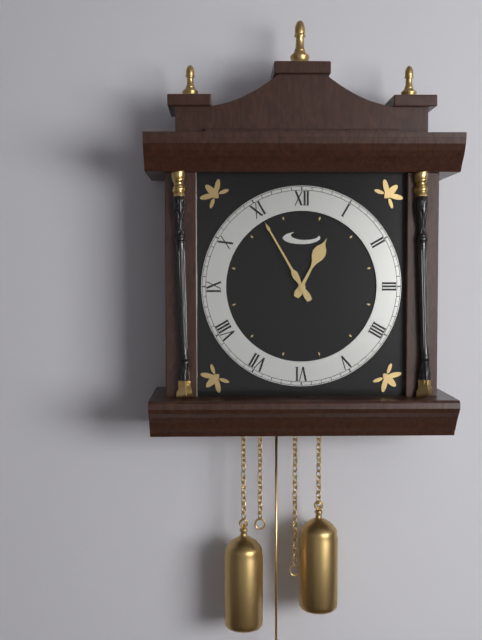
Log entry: 12:55
